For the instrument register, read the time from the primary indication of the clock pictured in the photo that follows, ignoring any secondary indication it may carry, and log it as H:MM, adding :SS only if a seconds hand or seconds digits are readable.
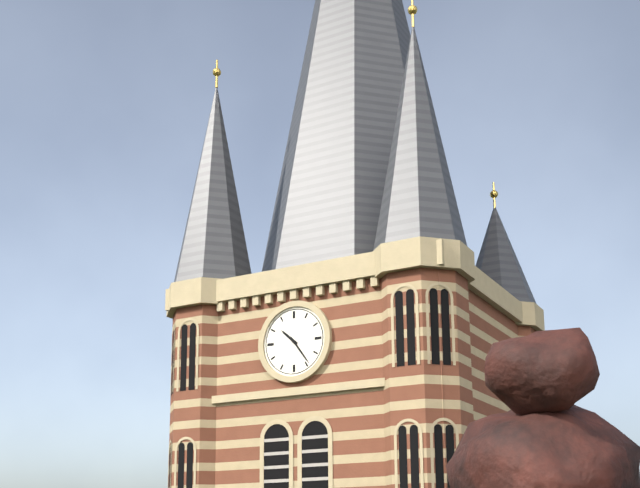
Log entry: 10:24
